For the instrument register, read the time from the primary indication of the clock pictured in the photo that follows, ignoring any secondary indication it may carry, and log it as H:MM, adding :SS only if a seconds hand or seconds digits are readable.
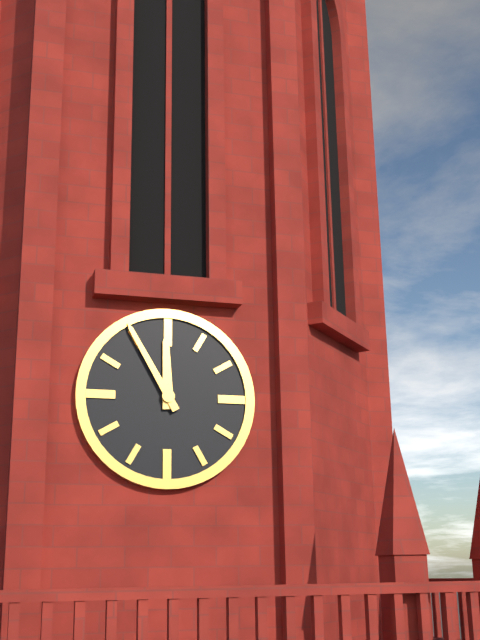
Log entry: 11:55
